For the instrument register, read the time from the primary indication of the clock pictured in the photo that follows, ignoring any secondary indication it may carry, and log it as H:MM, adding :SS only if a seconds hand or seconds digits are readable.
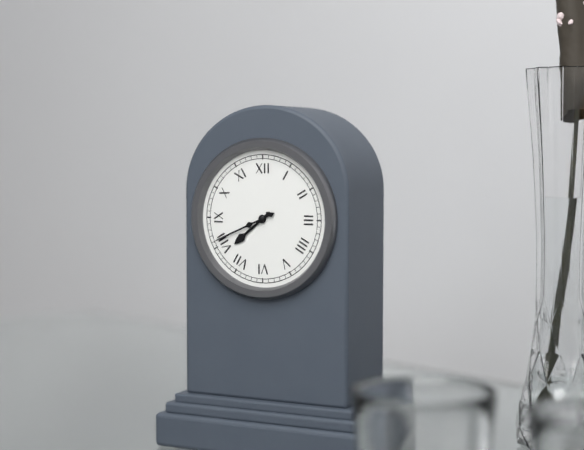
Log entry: 7:41
